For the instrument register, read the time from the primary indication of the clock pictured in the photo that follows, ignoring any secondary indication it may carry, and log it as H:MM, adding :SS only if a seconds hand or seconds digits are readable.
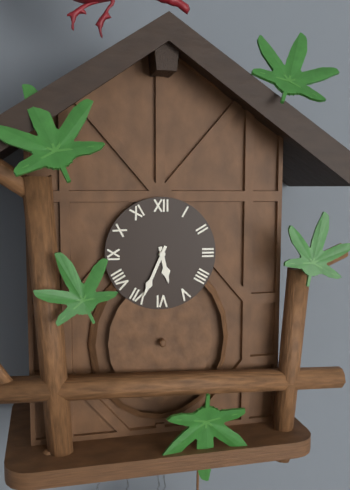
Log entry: 5:34
